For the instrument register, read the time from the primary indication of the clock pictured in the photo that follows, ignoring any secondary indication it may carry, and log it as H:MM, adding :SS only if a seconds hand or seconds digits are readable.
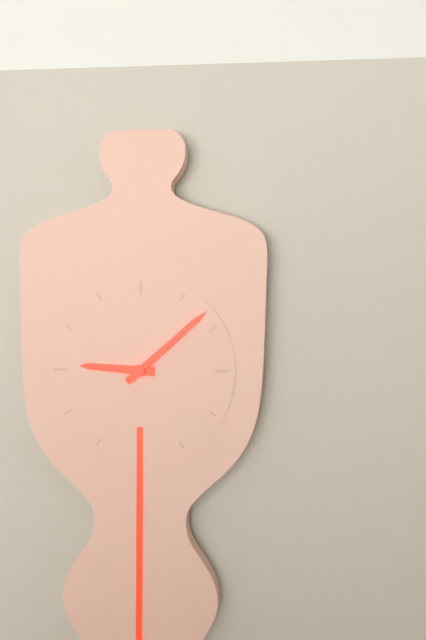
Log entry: 9:08
